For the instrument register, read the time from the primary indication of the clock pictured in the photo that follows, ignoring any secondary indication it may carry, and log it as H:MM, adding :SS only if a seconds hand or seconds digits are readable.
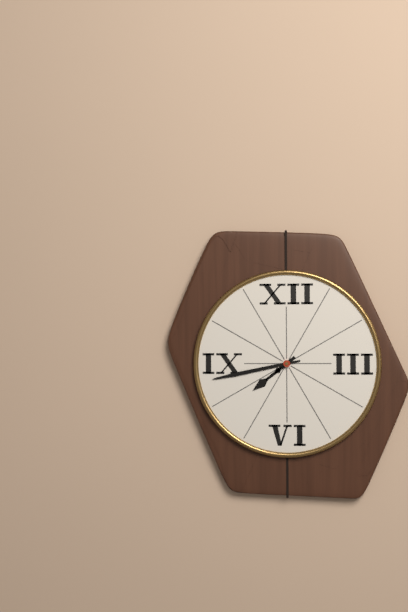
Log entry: 7:43
